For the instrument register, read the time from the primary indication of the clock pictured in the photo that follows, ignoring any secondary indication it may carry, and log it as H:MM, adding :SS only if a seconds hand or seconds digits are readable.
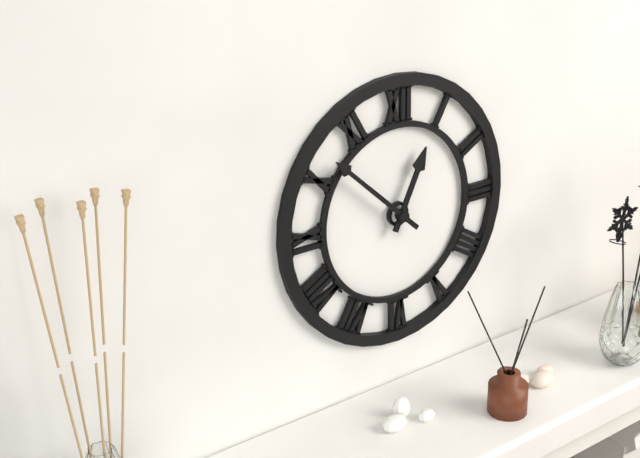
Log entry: 12:52
